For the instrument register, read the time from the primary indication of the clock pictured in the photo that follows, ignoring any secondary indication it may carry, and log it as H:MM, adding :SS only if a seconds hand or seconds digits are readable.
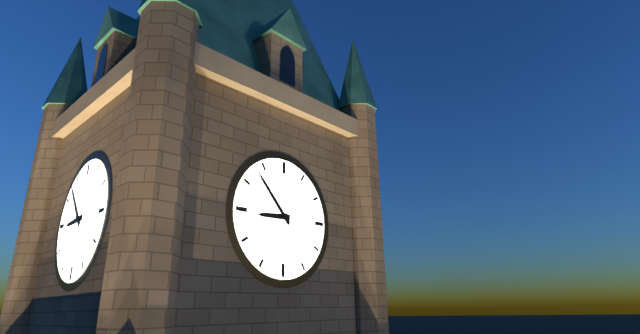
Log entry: 8:53
